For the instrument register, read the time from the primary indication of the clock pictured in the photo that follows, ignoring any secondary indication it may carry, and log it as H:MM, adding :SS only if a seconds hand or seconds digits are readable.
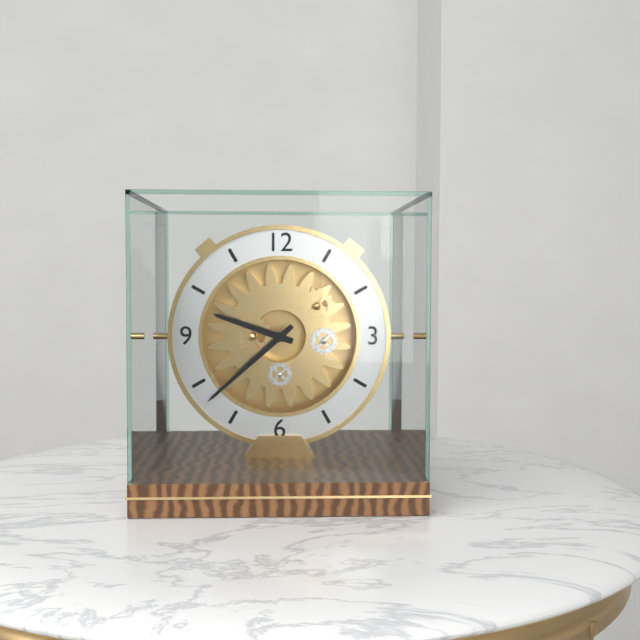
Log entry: 9:38
